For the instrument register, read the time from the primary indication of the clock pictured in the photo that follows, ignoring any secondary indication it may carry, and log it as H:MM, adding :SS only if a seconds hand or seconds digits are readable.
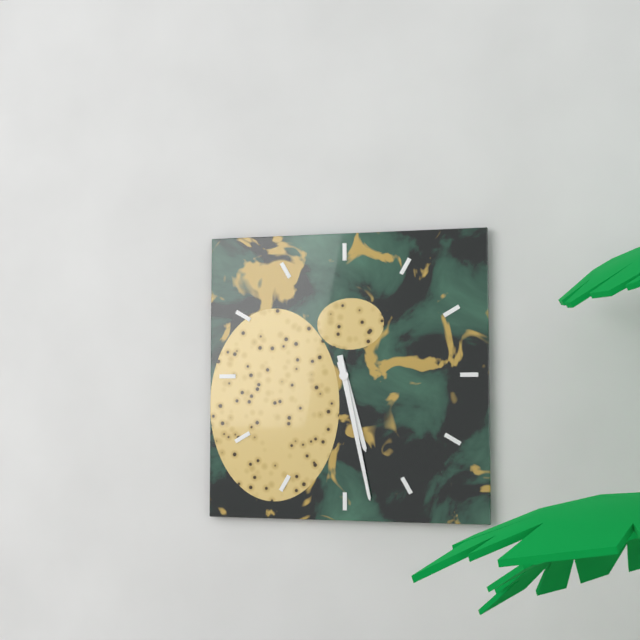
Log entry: 5:28
